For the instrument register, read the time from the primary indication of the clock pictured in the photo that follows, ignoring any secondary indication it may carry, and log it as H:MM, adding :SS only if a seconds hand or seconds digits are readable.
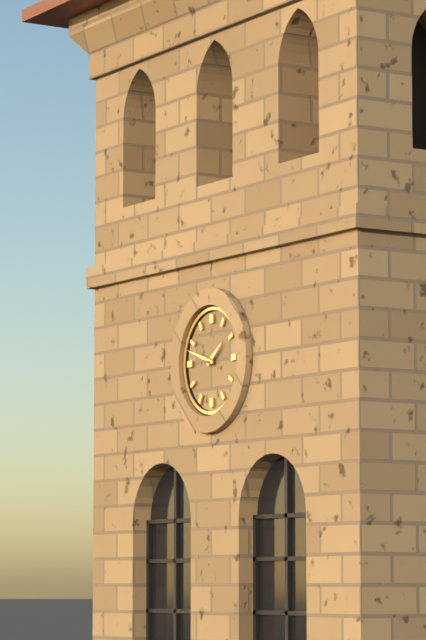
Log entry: 1:48
